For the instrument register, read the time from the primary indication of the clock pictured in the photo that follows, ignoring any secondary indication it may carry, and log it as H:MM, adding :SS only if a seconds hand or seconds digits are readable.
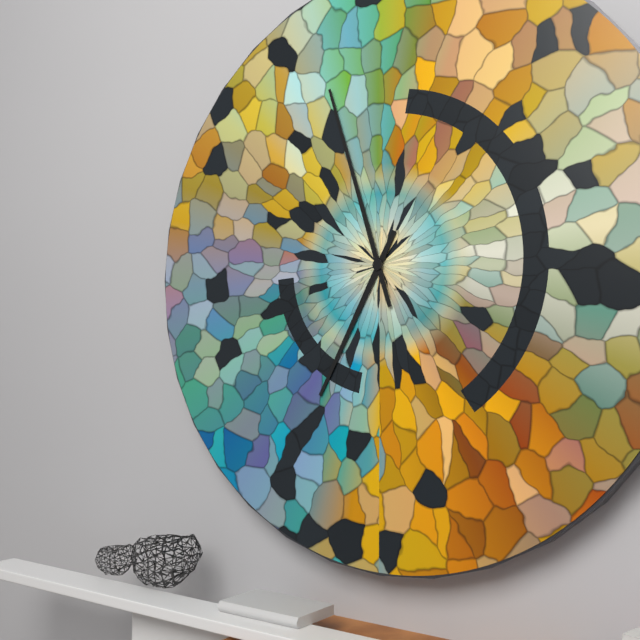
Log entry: 6:57
